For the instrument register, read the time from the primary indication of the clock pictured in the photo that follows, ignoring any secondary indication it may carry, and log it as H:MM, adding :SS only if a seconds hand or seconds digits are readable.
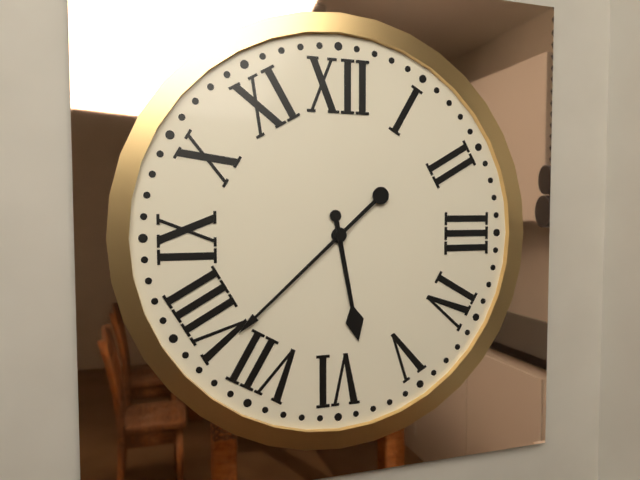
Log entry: 5:38
